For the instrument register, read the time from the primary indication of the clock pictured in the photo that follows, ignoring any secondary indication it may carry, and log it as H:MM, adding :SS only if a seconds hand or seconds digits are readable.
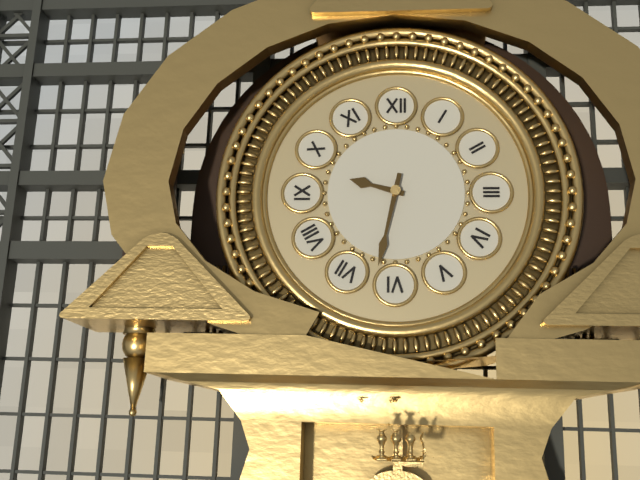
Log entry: 9:32
